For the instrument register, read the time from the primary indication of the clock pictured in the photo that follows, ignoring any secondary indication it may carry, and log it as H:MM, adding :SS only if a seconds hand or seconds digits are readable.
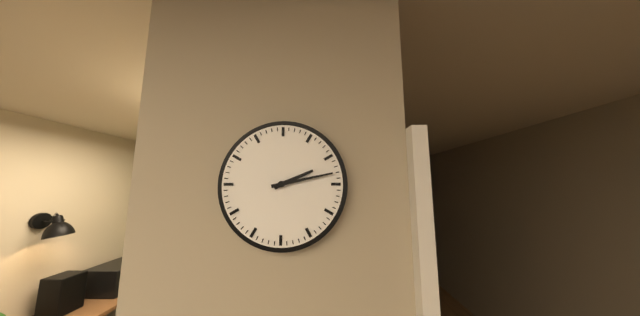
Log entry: 2:13
